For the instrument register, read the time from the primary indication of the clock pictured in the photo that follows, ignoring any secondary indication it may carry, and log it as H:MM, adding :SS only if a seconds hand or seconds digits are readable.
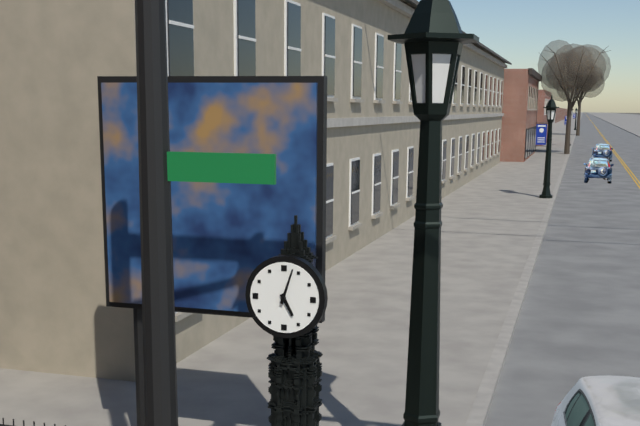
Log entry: 5:03
